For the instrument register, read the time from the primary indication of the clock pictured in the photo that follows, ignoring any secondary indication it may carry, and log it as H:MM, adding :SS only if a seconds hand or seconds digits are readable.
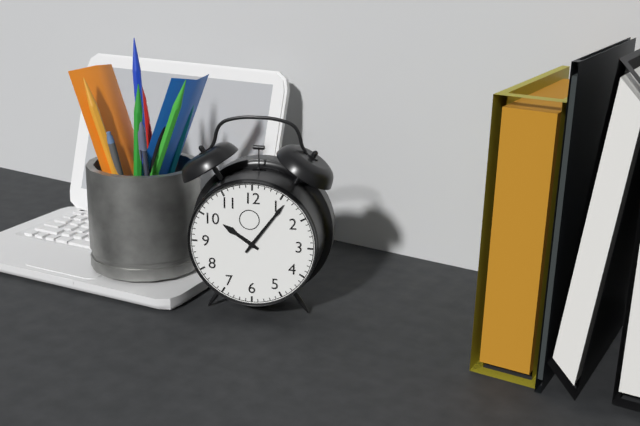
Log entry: 10:06
